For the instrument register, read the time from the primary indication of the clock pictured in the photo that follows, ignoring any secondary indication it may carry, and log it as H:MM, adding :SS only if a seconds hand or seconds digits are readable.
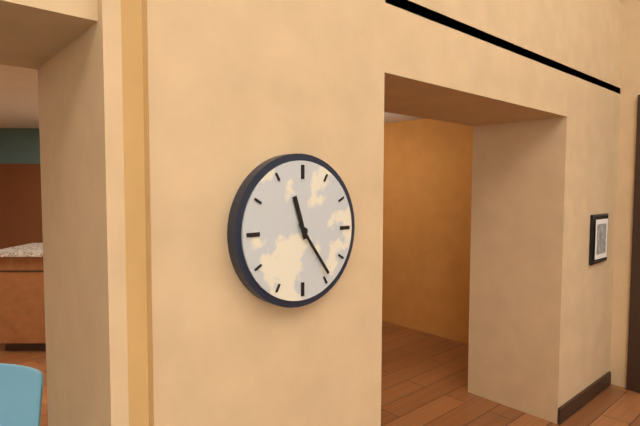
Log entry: 11:24
